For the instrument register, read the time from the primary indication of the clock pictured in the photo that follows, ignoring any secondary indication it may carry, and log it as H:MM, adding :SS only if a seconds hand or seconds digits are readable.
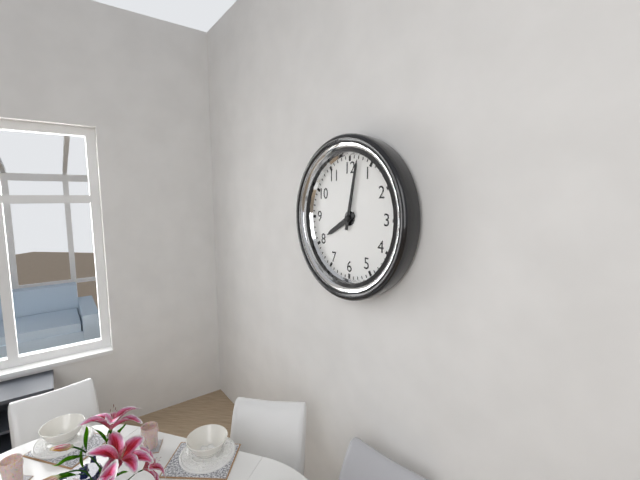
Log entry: 8:02
